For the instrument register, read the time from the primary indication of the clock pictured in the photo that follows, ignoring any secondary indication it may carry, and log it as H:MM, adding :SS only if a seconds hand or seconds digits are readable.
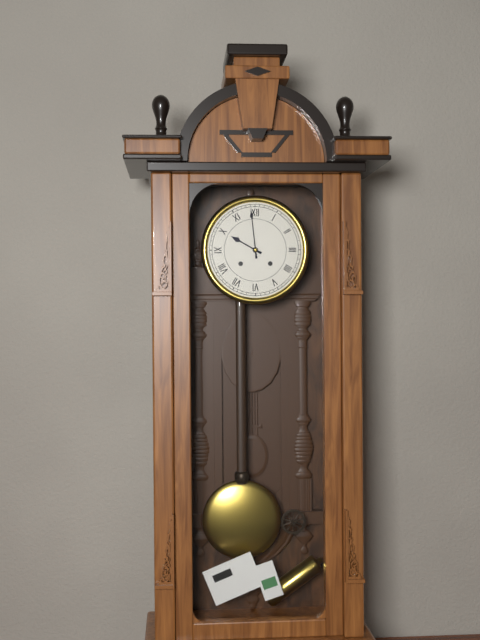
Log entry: 9:59
